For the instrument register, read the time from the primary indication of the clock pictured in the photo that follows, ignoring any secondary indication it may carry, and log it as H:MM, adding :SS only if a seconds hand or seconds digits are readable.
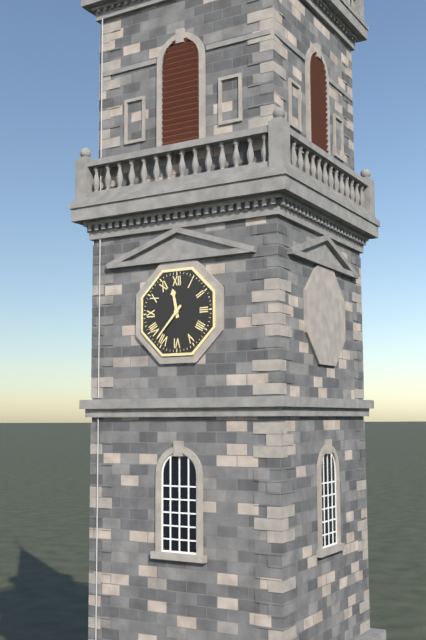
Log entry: 11:37
